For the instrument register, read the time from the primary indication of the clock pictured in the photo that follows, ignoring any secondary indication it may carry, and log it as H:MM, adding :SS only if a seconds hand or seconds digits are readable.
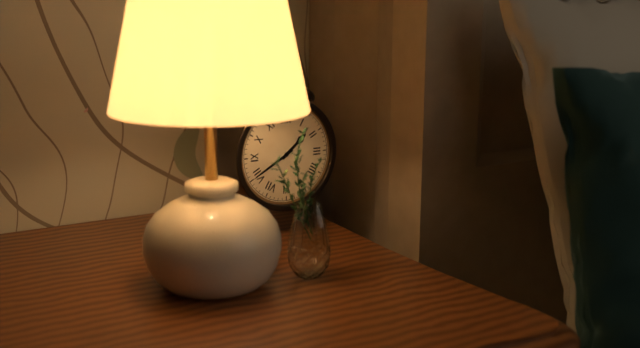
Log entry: 1:40
